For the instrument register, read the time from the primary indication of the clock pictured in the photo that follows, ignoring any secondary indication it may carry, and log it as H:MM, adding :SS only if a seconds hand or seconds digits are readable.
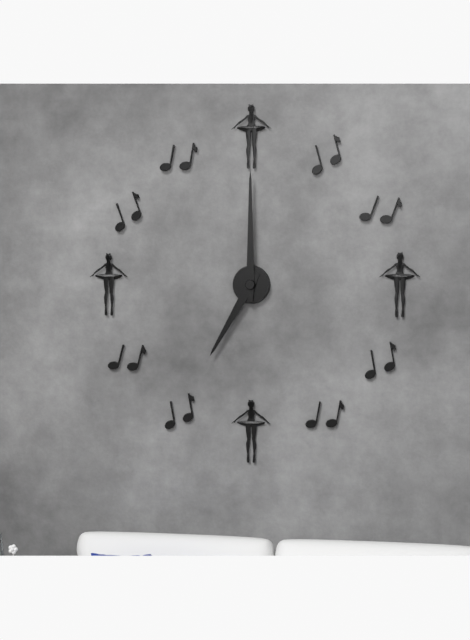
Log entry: 7:00
